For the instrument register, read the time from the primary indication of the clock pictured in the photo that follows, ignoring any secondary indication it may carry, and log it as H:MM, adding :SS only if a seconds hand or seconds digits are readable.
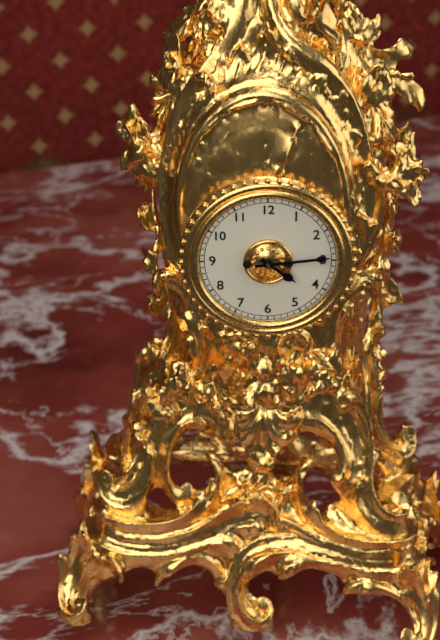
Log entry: 4:14
